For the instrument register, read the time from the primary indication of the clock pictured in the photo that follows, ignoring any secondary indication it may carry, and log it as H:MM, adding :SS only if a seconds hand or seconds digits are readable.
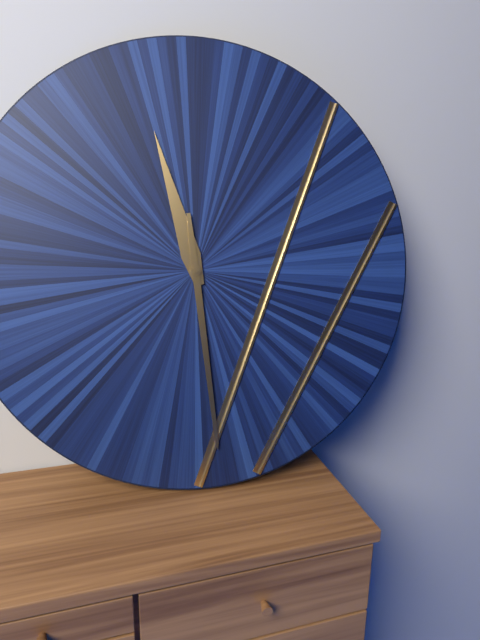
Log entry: 11:29
